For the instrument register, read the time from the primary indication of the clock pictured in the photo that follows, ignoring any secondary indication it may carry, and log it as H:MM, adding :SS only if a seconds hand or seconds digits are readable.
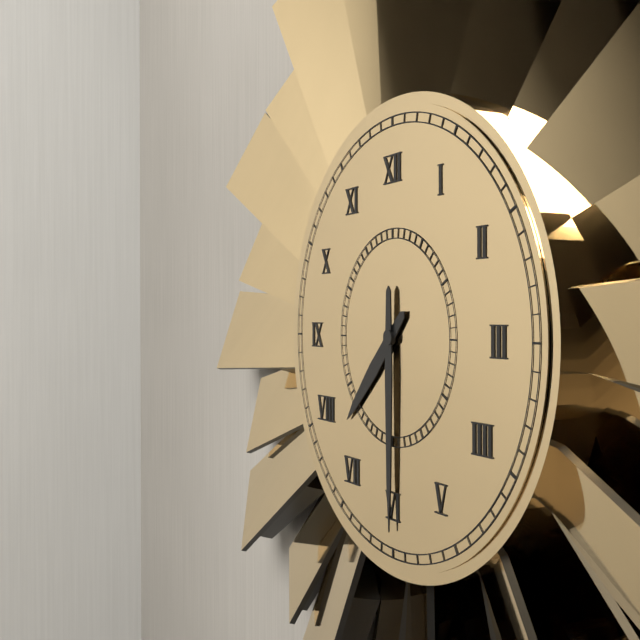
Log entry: 7:30
